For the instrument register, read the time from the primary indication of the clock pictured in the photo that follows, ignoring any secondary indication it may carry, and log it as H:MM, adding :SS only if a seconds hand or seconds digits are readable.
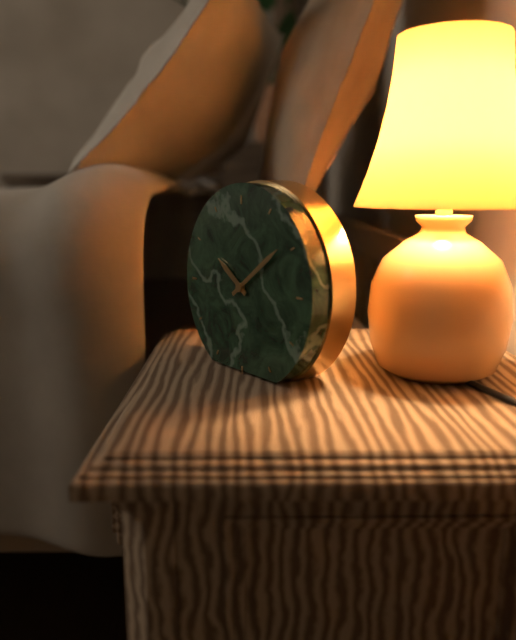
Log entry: 10:09
